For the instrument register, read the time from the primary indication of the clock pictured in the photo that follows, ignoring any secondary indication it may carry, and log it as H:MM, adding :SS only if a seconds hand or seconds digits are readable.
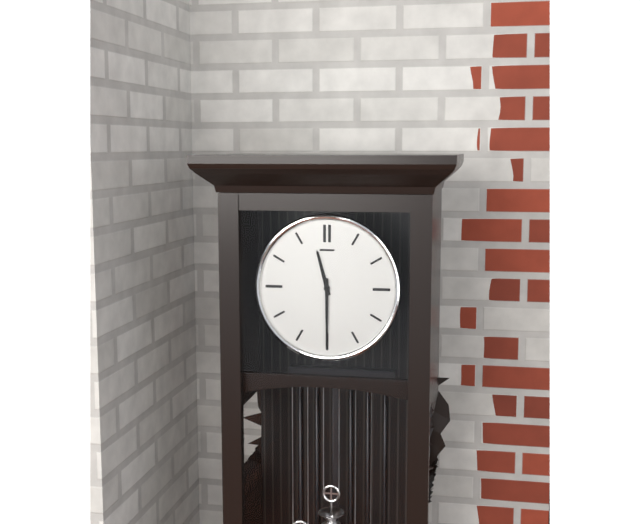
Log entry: 11:30
